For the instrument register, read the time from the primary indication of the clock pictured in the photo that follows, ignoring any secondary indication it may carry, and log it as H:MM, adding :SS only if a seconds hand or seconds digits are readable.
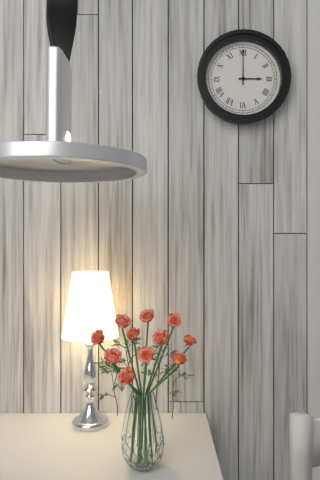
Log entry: 3:00
